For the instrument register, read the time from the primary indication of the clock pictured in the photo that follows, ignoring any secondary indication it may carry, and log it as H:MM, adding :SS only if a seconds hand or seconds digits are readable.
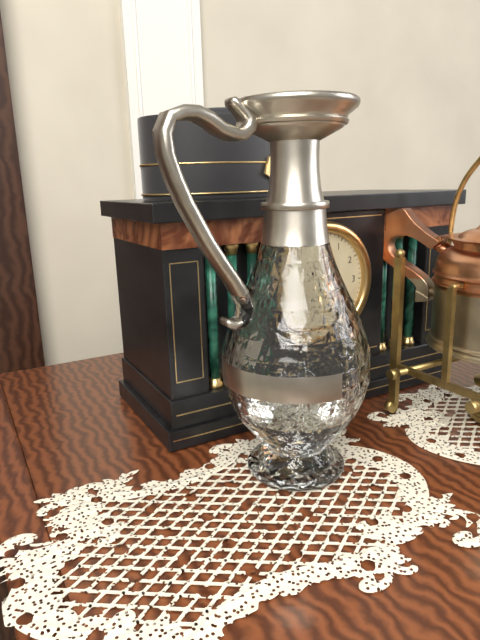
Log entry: 6:20
